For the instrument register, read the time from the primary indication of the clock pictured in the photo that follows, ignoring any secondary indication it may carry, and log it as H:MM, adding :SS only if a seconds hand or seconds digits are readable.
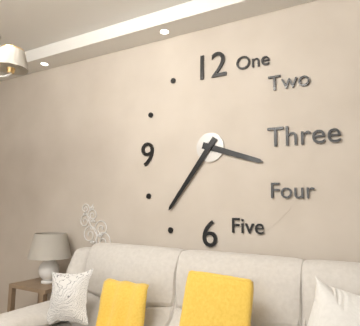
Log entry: 3:36
